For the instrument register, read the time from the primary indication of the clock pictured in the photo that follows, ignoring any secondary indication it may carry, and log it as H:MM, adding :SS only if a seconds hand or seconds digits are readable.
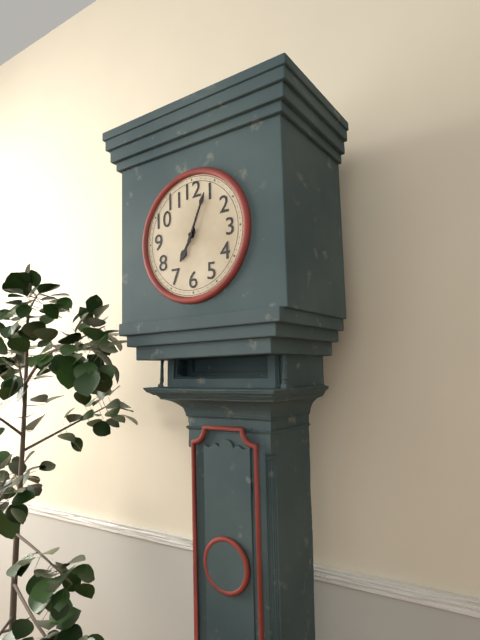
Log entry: 7:04
